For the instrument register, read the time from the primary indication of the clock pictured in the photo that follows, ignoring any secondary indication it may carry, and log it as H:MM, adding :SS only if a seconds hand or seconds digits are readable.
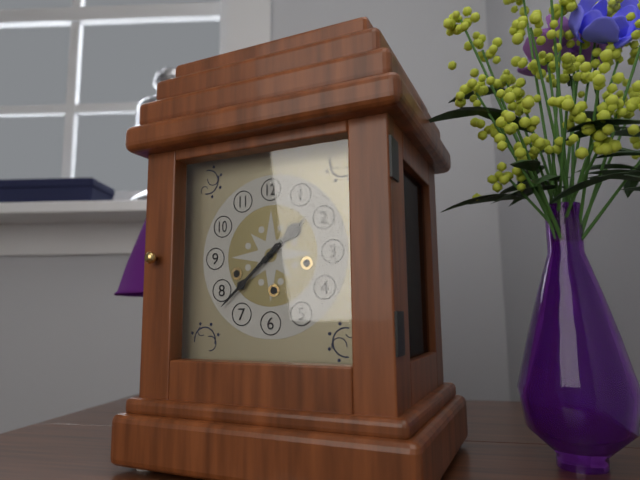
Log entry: 1:38
